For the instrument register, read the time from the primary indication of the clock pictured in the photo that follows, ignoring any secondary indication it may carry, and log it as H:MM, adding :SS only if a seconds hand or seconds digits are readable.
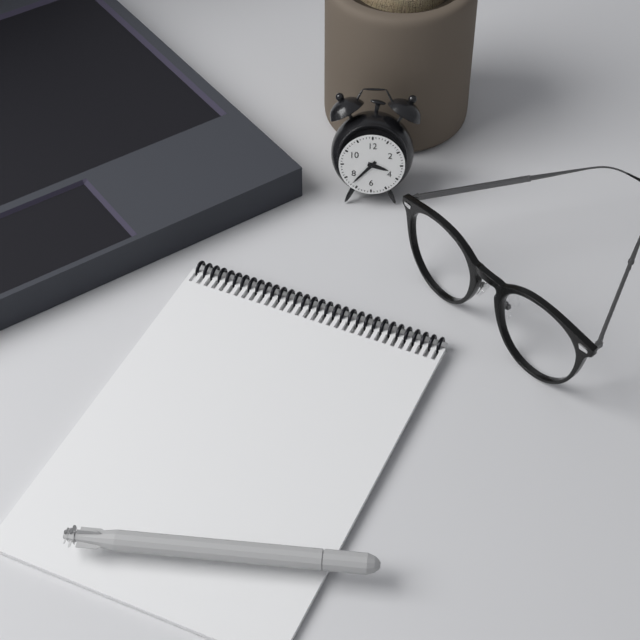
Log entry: 3:37
